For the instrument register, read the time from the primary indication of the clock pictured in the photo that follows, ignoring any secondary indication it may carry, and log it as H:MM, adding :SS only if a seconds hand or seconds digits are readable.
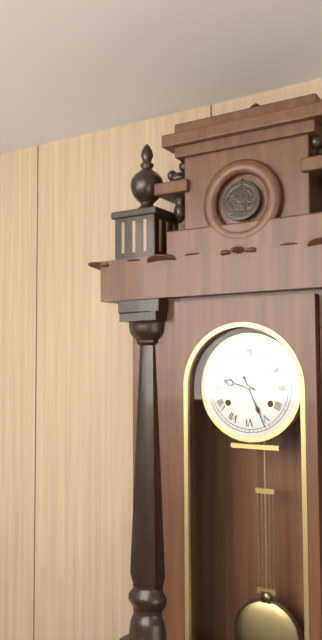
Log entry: 9:26
